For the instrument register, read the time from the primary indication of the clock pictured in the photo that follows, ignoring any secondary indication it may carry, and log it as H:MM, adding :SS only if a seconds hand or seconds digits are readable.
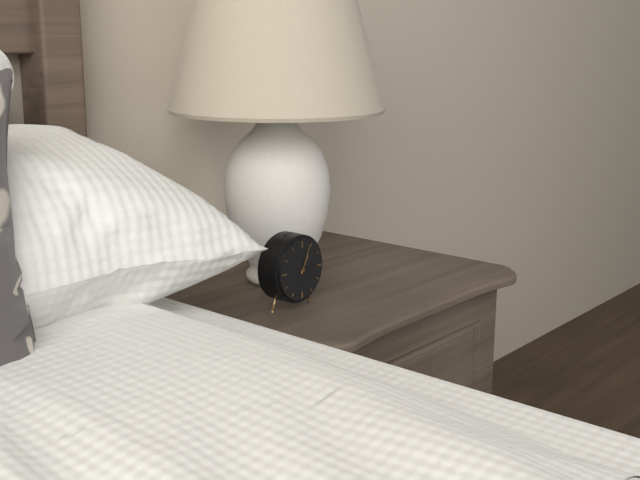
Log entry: 1:04
